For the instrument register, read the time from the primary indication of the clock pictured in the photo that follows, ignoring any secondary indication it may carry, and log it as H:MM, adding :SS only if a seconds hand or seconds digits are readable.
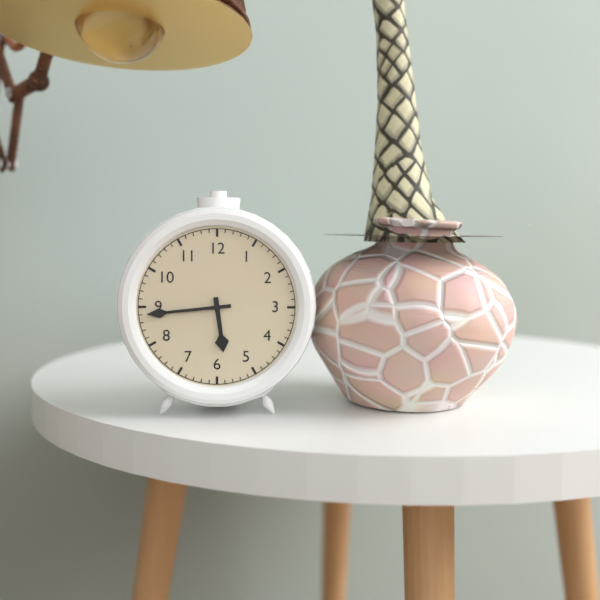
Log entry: 5:44
